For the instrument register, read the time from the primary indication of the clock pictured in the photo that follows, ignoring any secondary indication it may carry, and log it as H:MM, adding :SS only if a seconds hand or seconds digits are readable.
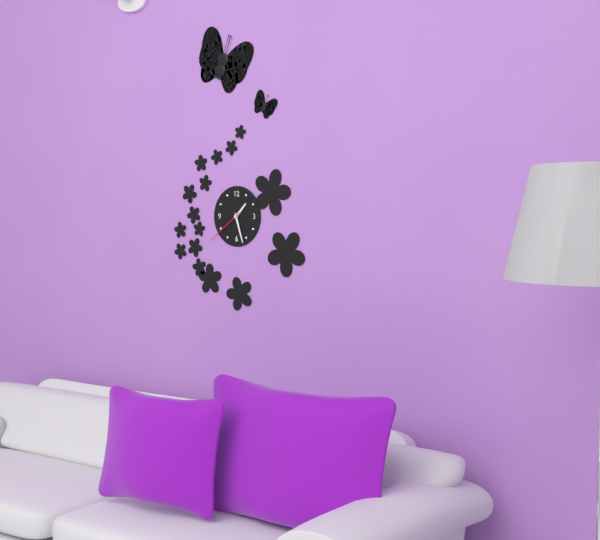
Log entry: 1:27
